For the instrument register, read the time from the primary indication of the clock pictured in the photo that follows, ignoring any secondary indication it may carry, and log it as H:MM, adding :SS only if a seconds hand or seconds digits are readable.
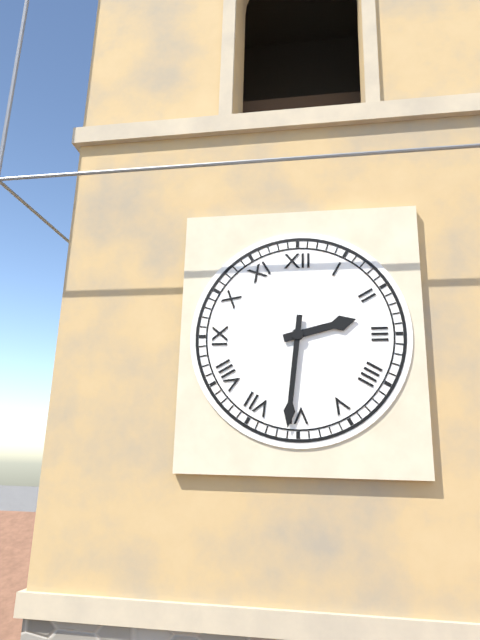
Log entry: 2:31
